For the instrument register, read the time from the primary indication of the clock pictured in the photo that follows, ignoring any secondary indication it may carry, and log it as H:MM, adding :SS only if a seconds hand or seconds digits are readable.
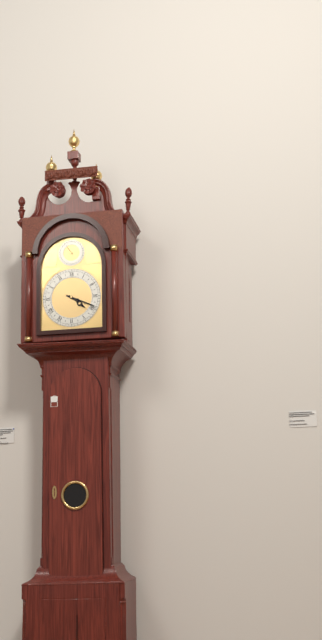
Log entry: 4:19
